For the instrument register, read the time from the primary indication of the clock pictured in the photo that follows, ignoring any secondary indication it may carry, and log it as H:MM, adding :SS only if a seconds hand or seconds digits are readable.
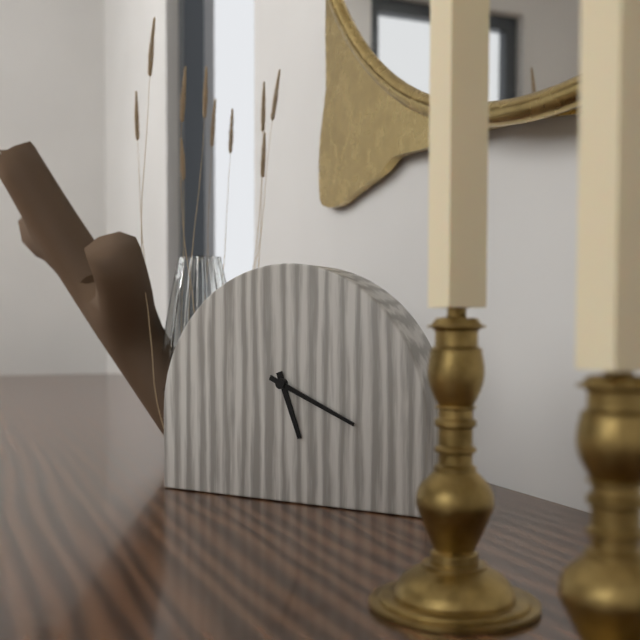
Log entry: 5:19
